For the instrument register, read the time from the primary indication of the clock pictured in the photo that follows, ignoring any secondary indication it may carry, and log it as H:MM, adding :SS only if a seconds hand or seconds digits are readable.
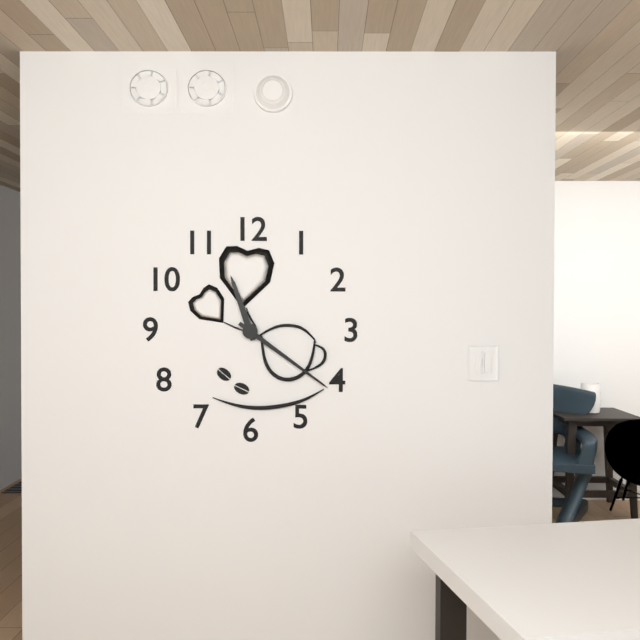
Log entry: 11:21
